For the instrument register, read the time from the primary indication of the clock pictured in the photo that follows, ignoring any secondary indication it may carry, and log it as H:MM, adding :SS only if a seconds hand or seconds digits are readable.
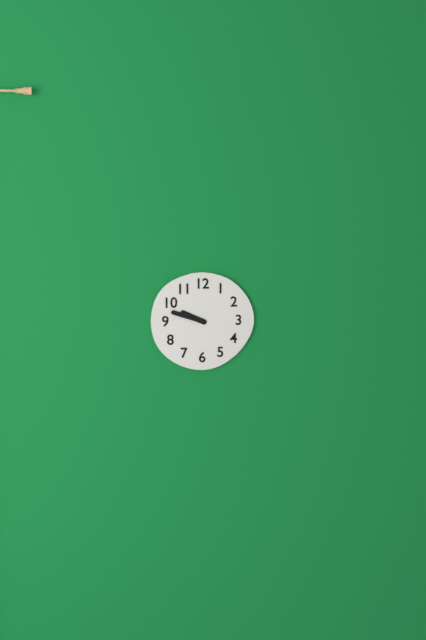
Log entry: 9:48
